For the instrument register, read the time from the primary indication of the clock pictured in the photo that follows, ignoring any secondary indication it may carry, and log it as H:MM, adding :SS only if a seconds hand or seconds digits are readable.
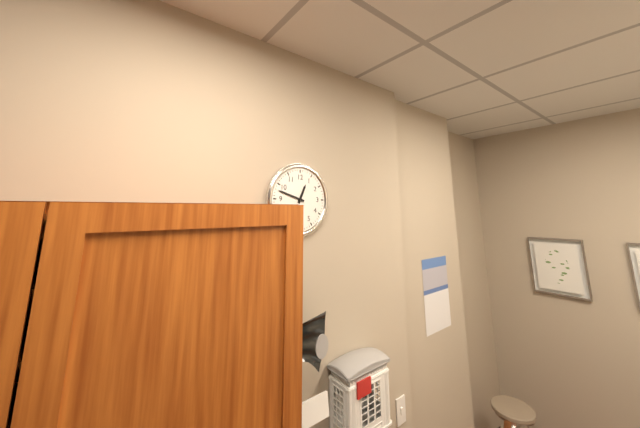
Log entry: 12:48
